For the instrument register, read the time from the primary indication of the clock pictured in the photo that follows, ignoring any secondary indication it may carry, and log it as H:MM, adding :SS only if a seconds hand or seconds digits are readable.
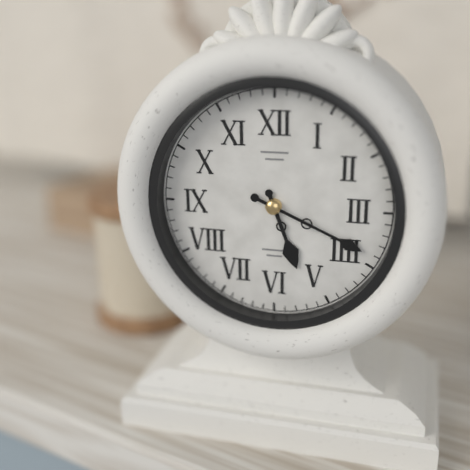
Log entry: 5:19
